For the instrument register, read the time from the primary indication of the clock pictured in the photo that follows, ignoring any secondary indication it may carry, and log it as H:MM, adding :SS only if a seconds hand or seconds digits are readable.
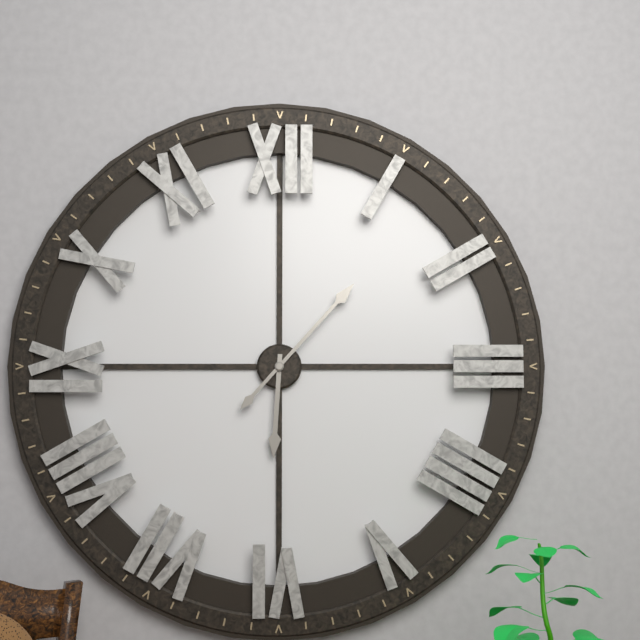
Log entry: 6:07
